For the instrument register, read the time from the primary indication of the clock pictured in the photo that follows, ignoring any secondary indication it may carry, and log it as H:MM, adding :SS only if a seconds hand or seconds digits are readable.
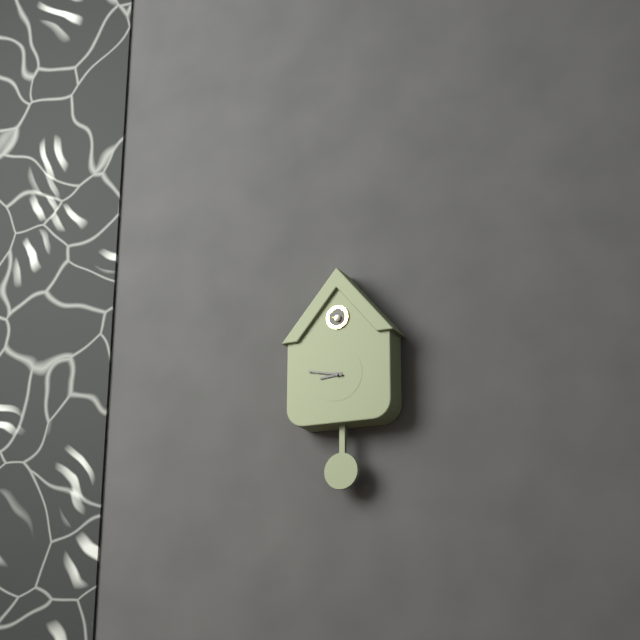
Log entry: 8:47
